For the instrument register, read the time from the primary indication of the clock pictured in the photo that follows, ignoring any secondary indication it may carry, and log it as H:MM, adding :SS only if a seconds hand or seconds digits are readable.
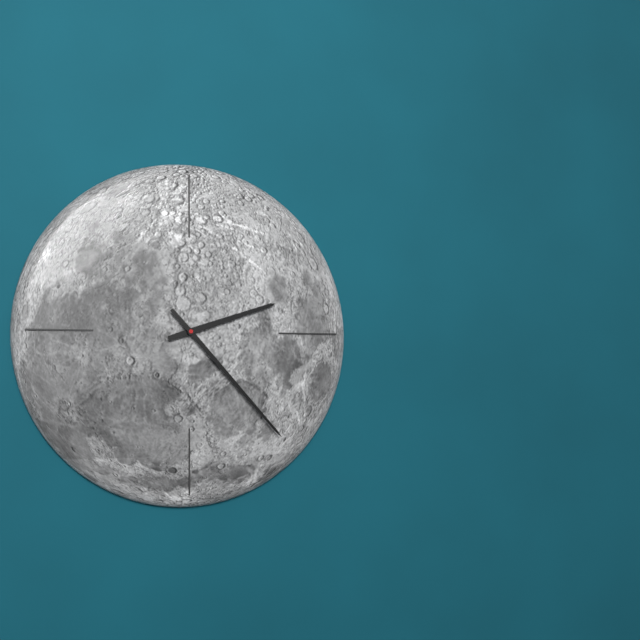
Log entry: 2:23
